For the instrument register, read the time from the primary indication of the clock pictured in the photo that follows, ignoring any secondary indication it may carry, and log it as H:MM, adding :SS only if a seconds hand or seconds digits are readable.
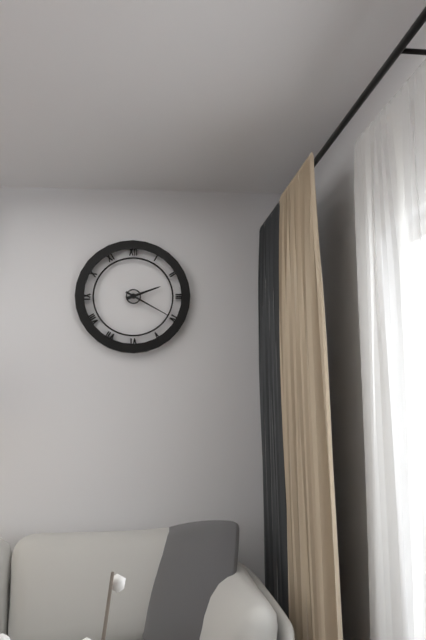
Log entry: 2:20
